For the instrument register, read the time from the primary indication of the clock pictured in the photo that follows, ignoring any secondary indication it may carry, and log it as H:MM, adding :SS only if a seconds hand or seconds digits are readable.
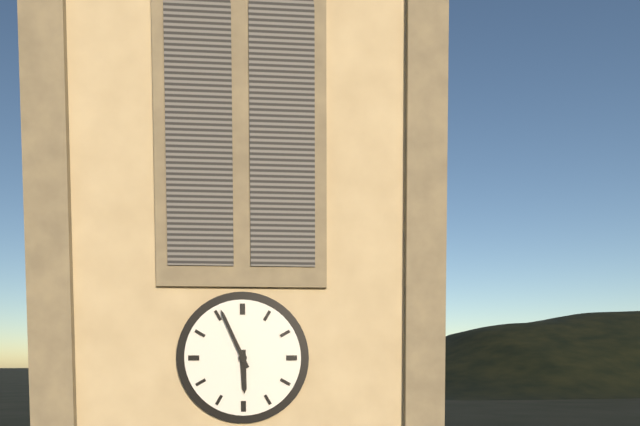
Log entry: 5:56
